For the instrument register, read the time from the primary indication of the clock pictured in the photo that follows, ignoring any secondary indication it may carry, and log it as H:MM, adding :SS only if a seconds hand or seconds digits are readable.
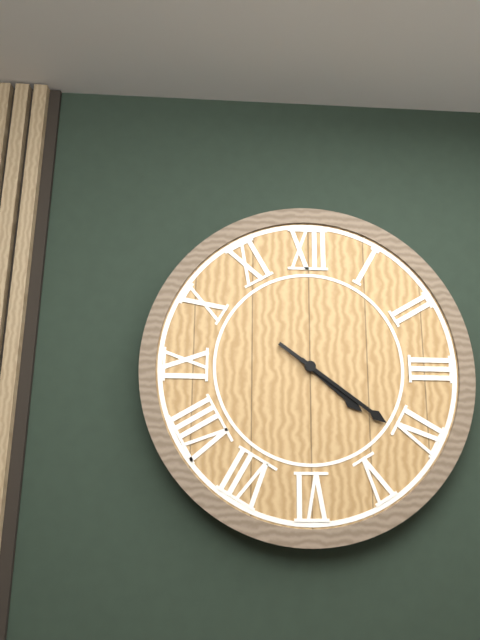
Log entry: 4:21
